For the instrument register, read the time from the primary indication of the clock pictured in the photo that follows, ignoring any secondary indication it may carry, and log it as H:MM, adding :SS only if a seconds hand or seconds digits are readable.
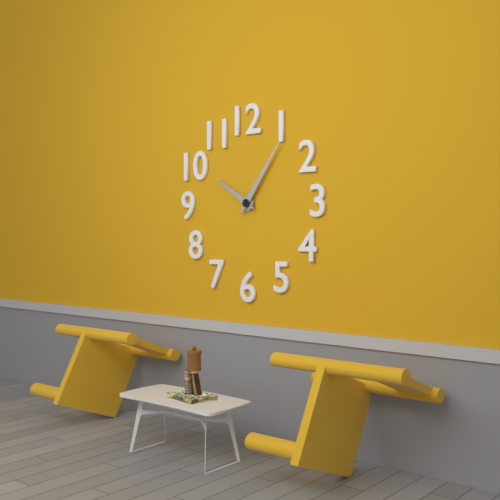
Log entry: 10:06
